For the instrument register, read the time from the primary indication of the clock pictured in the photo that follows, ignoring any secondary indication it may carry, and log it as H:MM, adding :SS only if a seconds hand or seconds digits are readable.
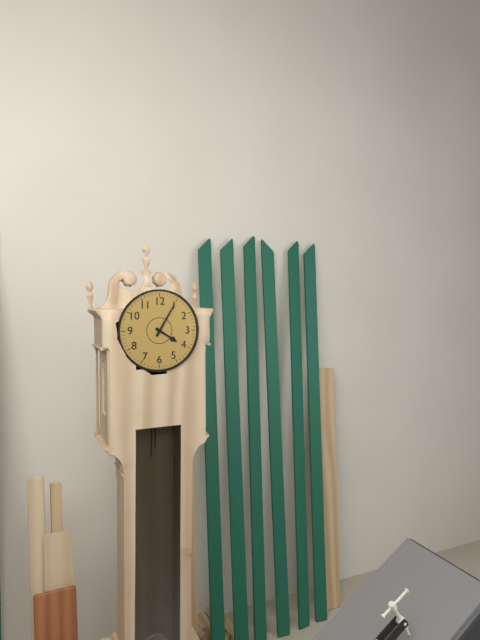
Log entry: 4:05
